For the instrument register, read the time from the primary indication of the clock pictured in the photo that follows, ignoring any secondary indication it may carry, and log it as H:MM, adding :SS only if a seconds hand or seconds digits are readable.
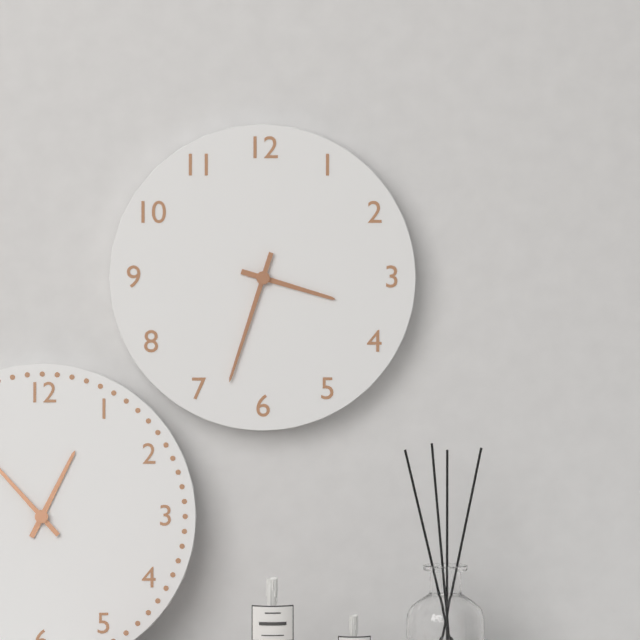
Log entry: 3:33
